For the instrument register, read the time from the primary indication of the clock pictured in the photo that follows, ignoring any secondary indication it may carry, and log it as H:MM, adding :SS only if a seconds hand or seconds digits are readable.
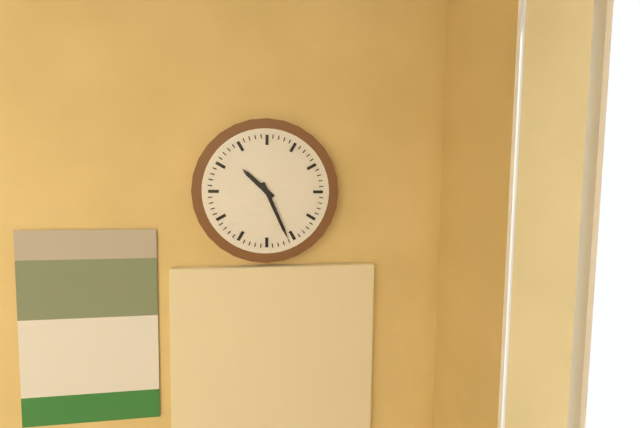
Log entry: 10:26
